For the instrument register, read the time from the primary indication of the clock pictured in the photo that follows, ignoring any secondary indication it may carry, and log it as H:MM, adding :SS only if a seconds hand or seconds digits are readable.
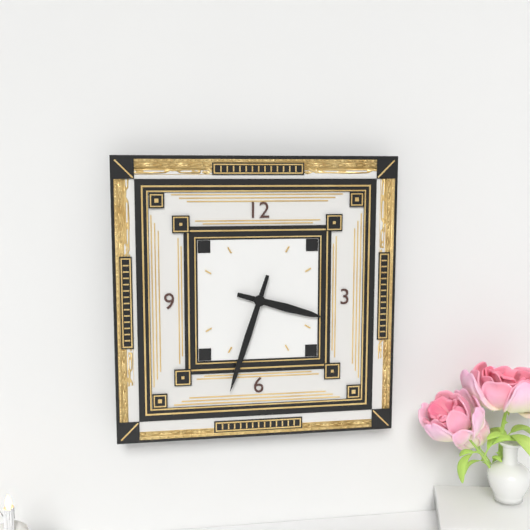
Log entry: 3:33
